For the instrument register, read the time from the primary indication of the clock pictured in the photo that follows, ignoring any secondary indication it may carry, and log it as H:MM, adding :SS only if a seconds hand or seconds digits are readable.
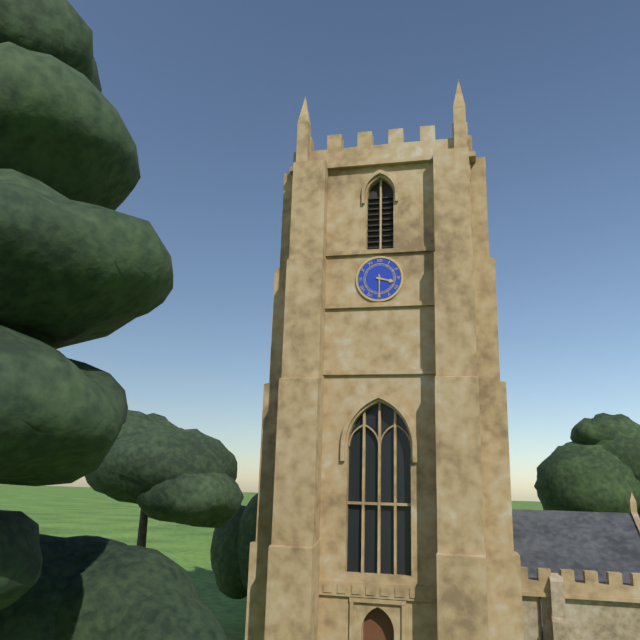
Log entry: 3:30
